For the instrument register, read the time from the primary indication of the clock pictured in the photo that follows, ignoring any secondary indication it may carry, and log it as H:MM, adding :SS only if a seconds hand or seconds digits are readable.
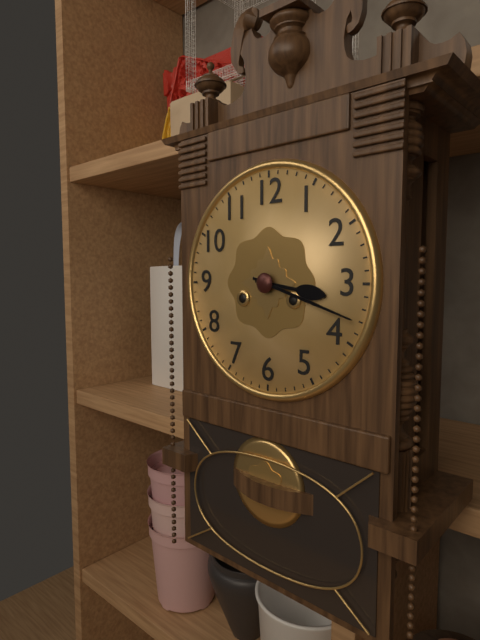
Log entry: 3:18
